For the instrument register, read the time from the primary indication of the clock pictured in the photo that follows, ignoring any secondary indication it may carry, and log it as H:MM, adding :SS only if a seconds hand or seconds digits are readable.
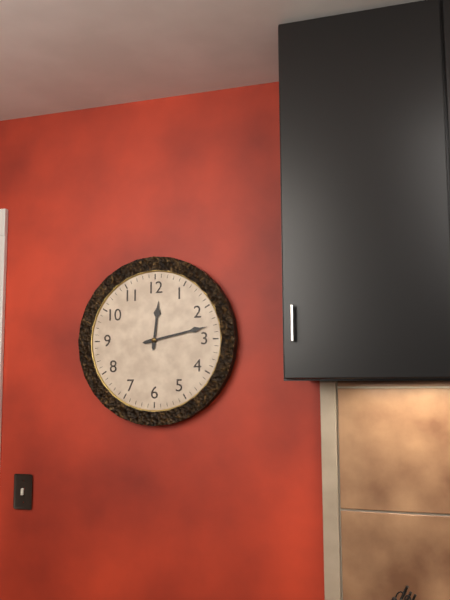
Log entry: 12:13
